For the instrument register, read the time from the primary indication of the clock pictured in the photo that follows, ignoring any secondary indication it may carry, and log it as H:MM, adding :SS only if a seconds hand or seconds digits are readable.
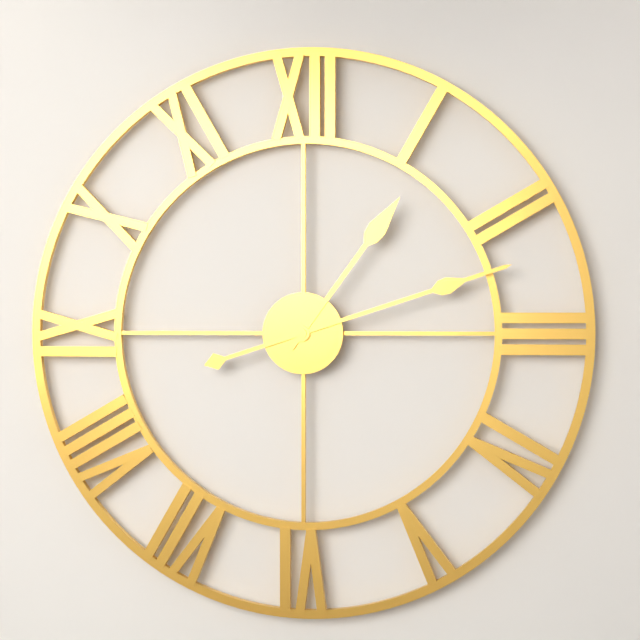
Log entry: 1:12
